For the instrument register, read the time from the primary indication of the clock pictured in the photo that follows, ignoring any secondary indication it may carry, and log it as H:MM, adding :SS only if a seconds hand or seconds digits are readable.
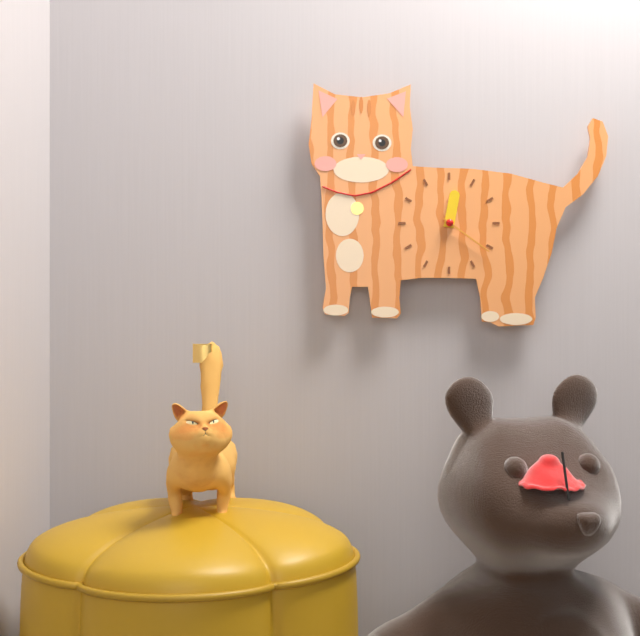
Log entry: 12:21
